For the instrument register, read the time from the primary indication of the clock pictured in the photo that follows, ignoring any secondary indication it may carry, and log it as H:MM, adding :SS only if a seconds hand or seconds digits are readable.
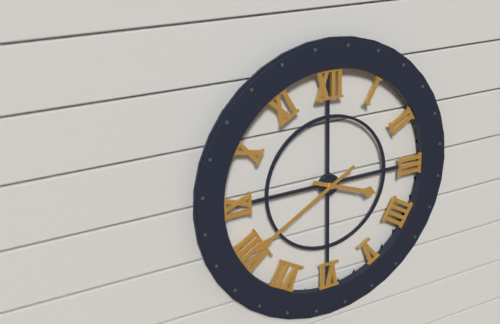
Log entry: 3:40
